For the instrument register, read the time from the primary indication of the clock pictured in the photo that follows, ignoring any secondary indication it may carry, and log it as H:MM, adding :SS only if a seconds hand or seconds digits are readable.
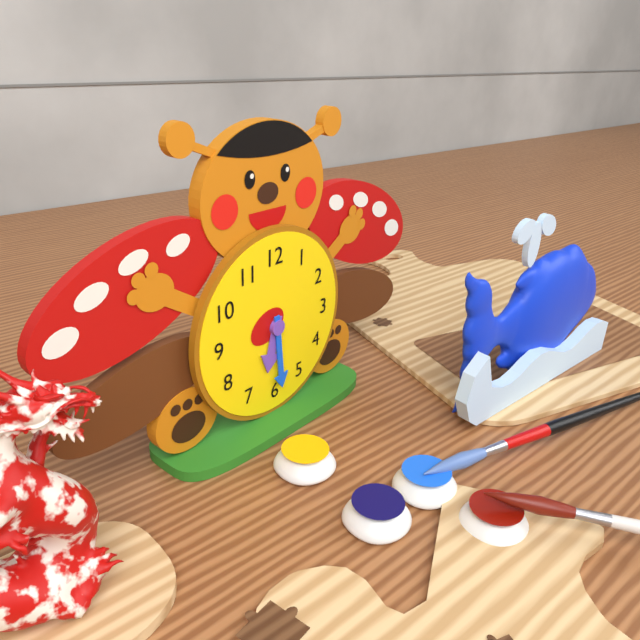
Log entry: 6:29
